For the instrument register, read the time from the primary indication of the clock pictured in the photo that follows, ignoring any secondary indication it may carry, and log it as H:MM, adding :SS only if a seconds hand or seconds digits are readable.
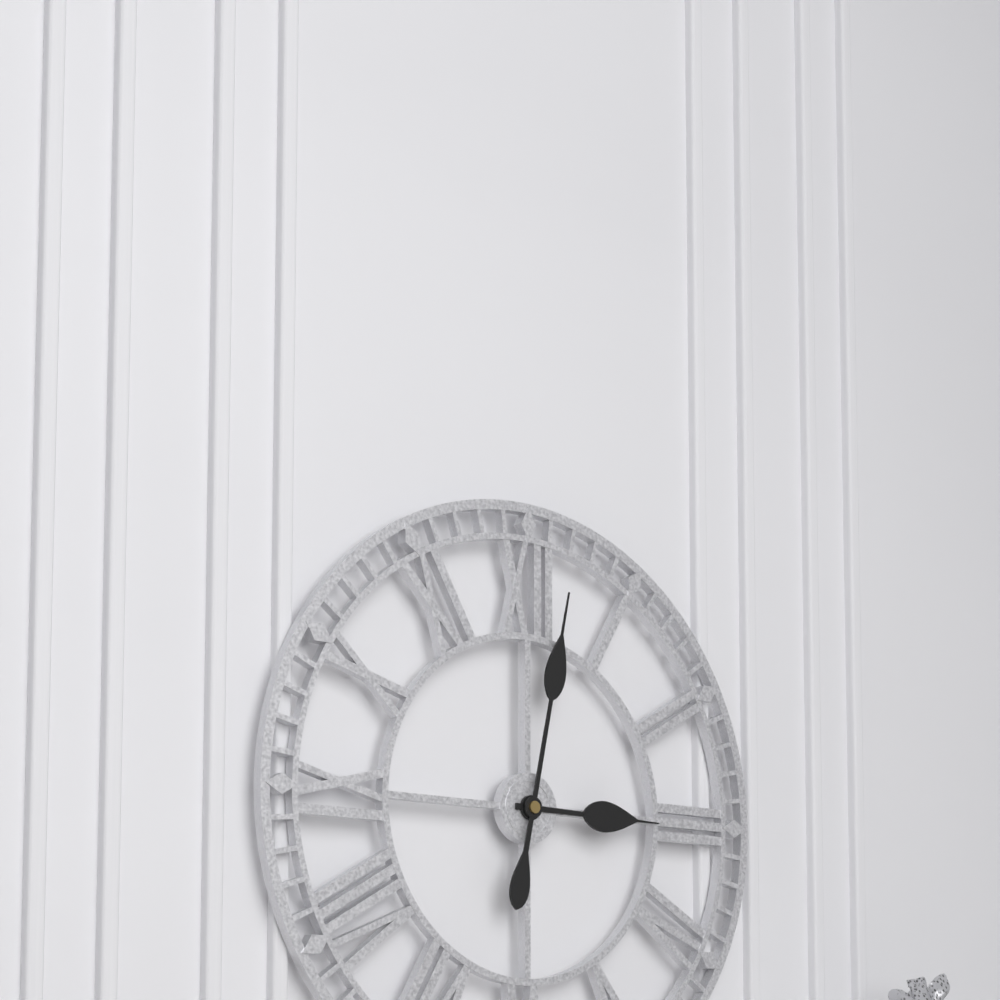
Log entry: 3:02
